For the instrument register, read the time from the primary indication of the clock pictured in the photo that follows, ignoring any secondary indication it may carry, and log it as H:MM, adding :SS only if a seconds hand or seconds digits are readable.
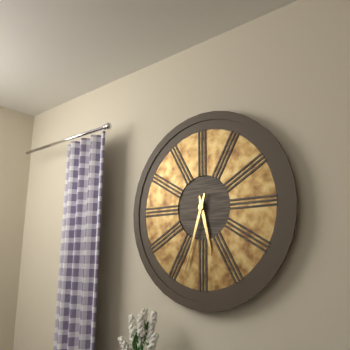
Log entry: 5:33
